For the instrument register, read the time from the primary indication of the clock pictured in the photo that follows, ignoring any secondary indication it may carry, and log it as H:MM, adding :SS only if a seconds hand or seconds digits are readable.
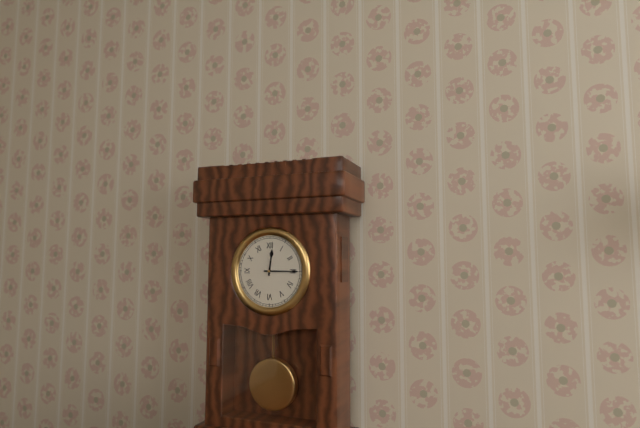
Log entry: 12:15
